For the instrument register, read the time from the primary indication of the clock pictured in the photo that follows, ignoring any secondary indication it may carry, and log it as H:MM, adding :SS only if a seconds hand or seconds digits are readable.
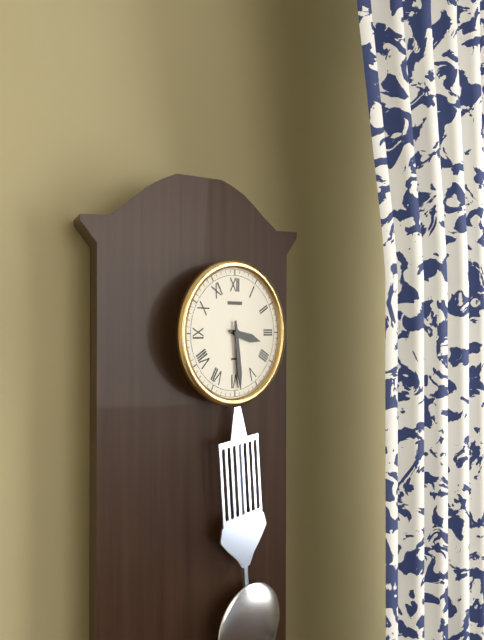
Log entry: 3:29
